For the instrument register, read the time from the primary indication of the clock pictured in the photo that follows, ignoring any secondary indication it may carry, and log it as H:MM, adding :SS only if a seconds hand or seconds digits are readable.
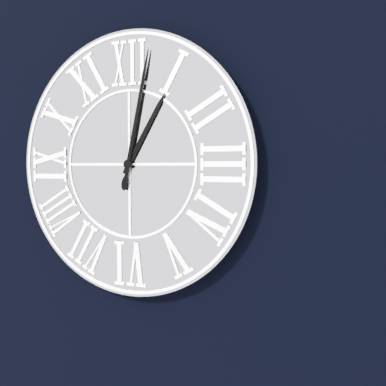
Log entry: 1:02
